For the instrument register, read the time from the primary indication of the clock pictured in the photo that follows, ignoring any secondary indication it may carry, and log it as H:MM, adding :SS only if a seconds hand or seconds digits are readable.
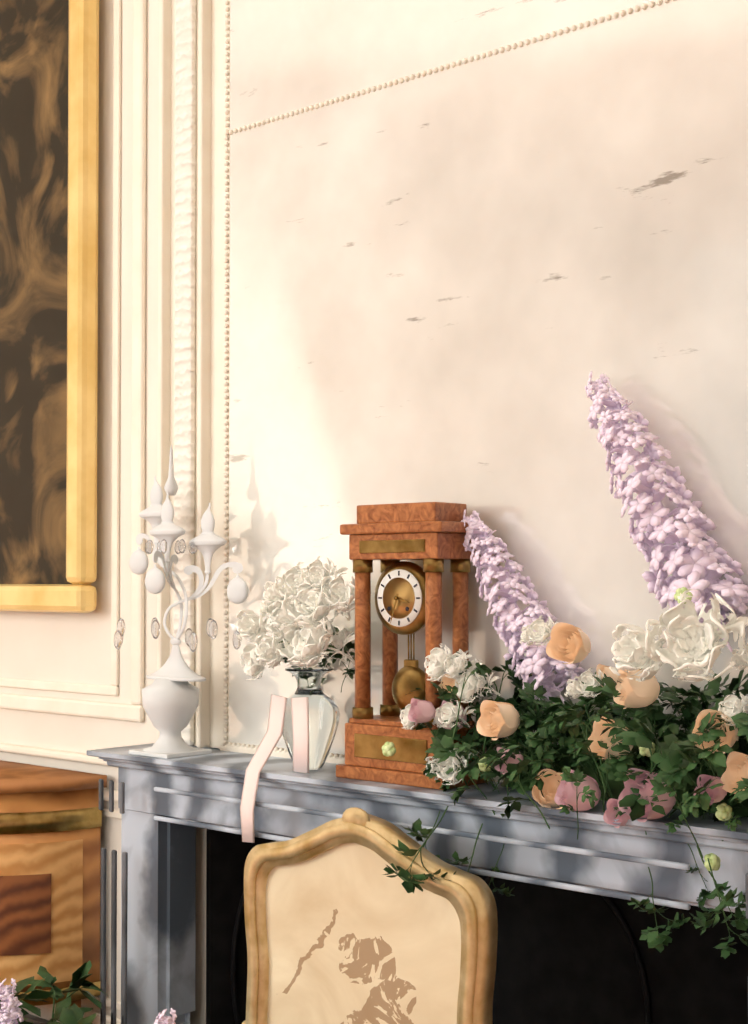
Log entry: 3:33
